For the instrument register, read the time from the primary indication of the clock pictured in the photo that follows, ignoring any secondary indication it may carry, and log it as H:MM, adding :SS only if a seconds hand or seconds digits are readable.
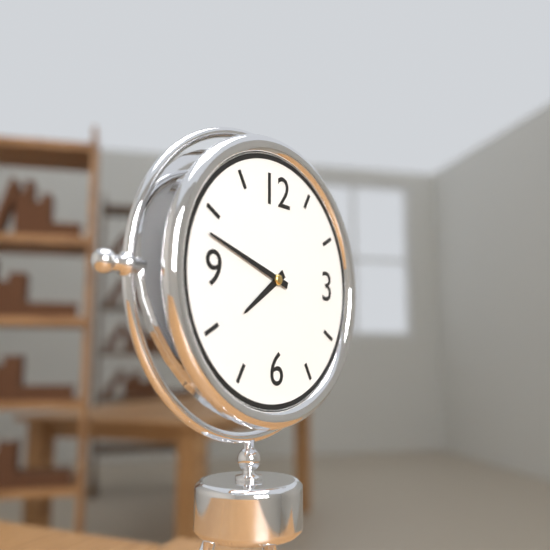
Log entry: 7:48
